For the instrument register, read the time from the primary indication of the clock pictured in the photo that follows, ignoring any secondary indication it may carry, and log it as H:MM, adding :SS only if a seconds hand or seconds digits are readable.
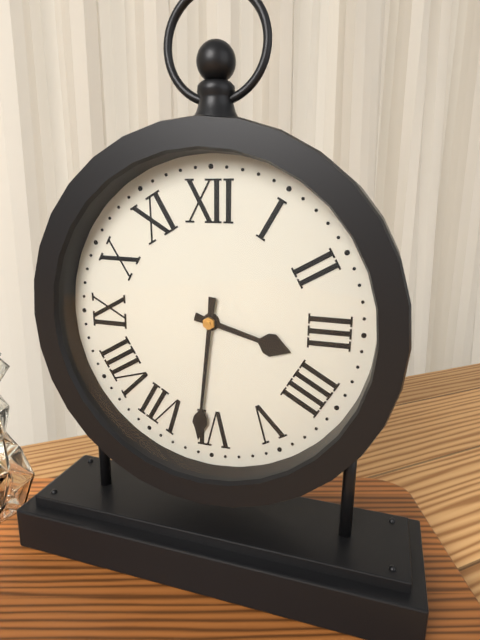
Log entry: 3:31
